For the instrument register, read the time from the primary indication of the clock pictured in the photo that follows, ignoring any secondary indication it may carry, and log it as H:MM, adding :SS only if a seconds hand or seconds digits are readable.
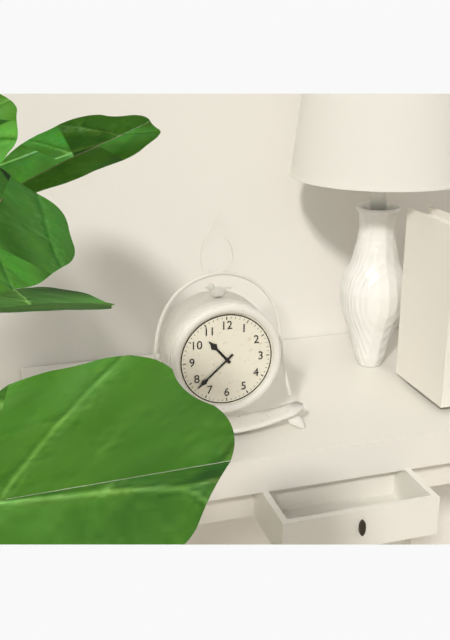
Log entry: 10:38
